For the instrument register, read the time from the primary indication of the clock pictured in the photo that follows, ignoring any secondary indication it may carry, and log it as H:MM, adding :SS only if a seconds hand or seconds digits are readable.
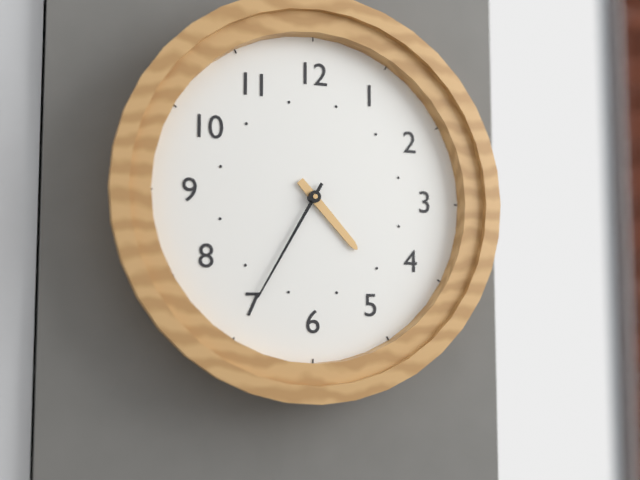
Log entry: 4:35
